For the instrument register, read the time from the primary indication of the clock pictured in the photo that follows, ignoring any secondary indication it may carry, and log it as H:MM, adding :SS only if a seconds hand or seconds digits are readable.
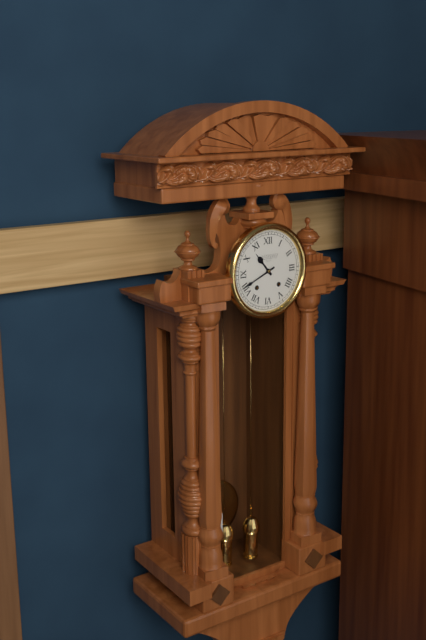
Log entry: 10:41
